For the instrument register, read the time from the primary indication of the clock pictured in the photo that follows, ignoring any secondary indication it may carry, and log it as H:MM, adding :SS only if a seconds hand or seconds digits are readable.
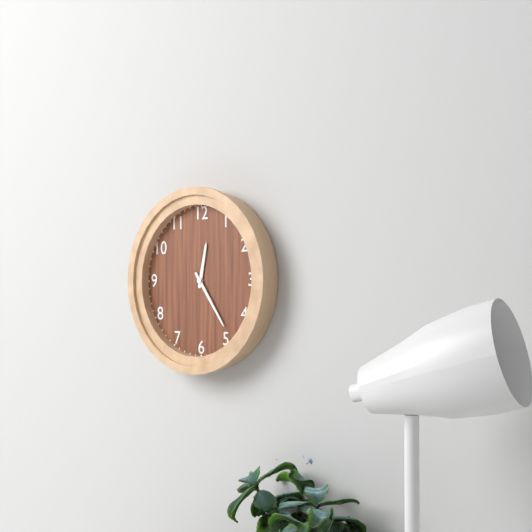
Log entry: 12:24
